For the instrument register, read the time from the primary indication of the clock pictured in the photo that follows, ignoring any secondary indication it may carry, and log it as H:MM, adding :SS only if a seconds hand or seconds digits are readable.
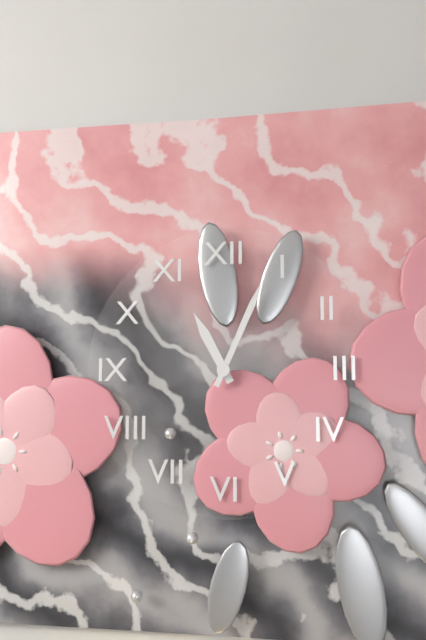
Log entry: 11:04
